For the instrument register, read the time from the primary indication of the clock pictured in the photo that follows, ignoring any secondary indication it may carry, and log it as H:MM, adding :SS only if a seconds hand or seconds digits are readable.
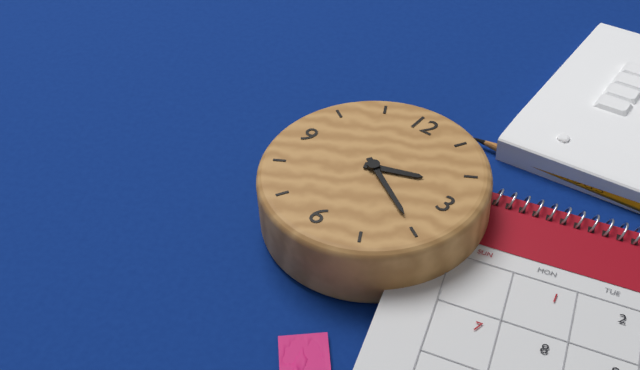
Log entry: 2:20
